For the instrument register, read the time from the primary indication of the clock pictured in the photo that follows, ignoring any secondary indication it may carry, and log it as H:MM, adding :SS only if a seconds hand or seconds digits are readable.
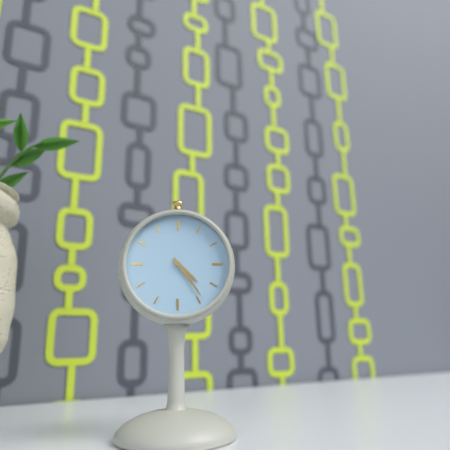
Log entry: 4:24
